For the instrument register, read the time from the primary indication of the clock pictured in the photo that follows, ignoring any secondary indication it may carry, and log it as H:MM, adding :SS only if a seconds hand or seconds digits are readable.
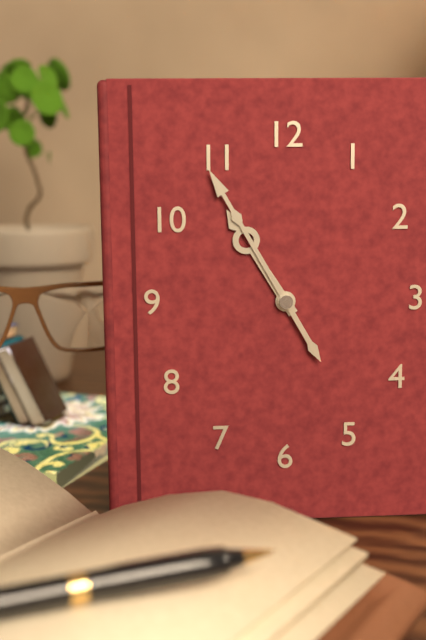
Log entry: 10:55
